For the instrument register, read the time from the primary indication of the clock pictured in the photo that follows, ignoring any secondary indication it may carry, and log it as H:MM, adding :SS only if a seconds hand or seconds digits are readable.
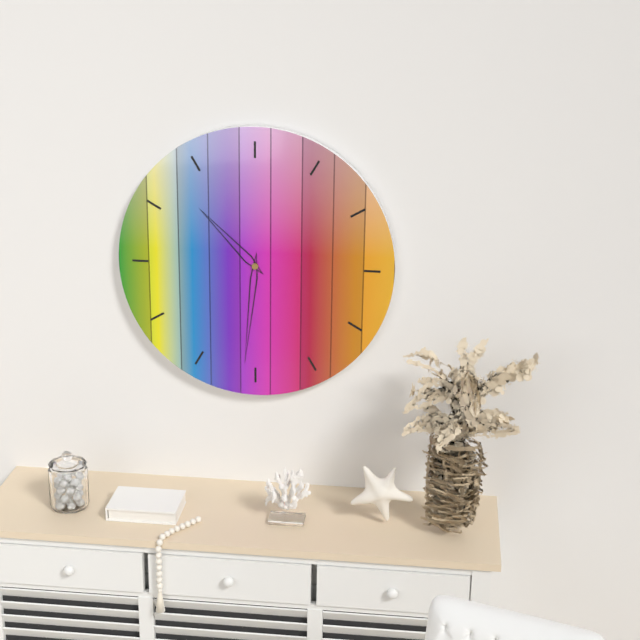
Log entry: 10:31
